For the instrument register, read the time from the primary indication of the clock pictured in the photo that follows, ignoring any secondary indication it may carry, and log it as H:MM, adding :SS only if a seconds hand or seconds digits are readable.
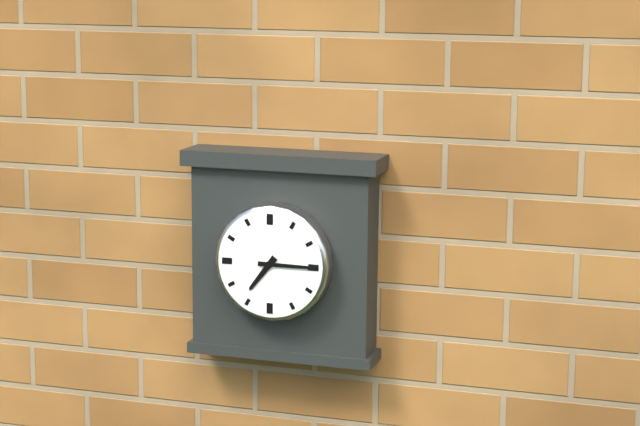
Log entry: 7:15
